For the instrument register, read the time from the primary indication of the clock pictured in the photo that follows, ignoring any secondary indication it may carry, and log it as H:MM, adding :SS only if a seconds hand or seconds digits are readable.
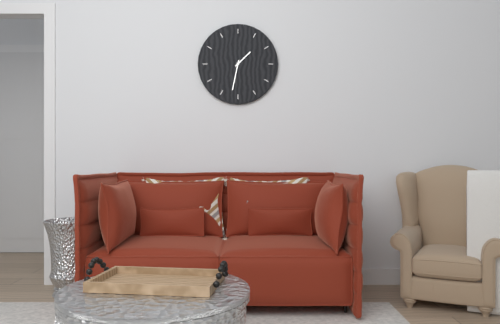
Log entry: 1:32
